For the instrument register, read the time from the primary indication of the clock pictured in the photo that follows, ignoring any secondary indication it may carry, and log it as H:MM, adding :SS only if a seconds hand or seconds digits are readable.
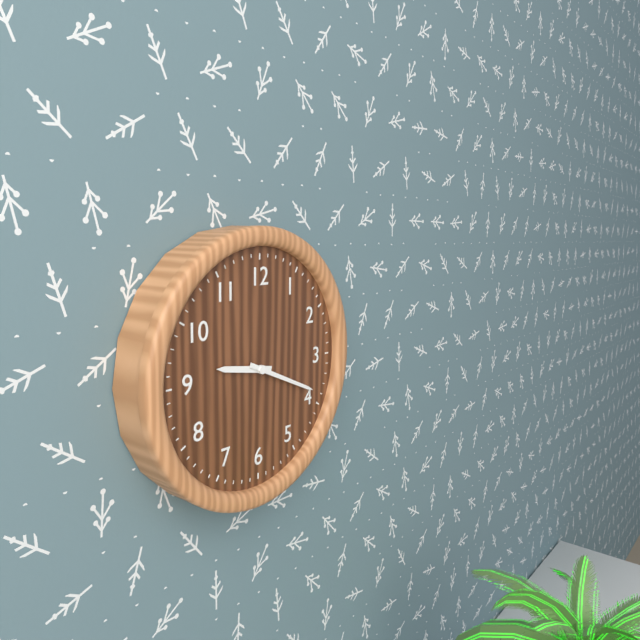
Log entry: 9:19
